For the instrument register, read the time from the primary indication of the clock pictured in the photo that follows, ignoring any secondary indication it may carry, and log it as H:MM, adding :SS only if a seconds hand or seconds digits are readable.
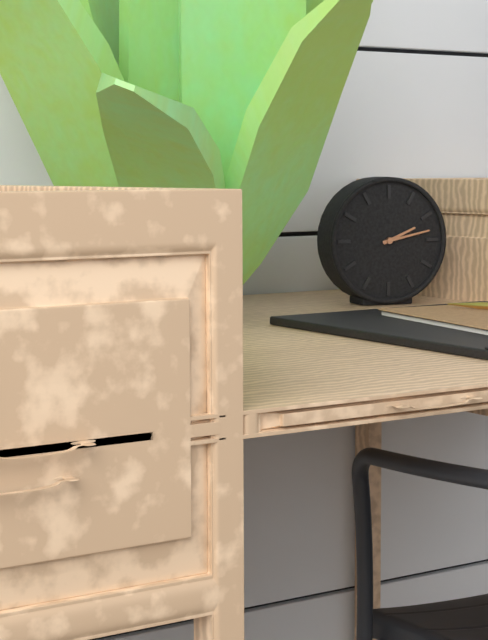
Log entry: 2:13
